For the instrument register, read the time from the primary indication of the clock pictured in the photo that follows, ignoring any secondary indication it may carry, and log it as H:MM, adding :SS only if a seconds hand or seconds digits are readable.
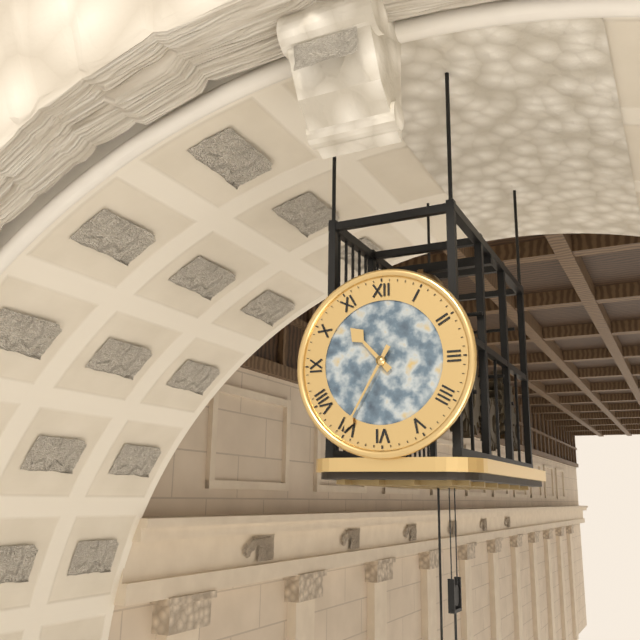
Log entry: 10:35
